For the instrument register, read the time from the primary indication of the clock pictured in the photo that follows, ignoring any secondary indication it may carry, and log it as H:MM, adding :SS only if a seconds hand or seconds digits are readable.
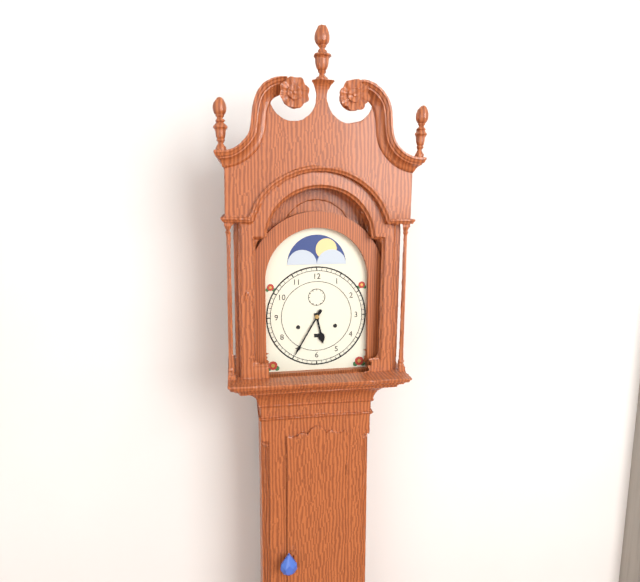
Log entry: 5:35
